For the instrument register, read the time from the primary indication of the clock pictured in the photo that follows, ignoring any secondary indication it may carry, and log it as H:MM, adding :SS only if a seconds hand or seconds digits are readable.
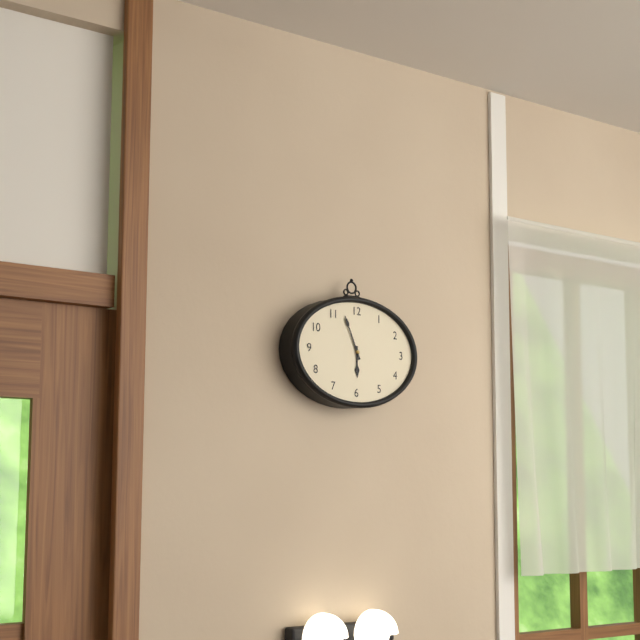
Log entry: 5:56
